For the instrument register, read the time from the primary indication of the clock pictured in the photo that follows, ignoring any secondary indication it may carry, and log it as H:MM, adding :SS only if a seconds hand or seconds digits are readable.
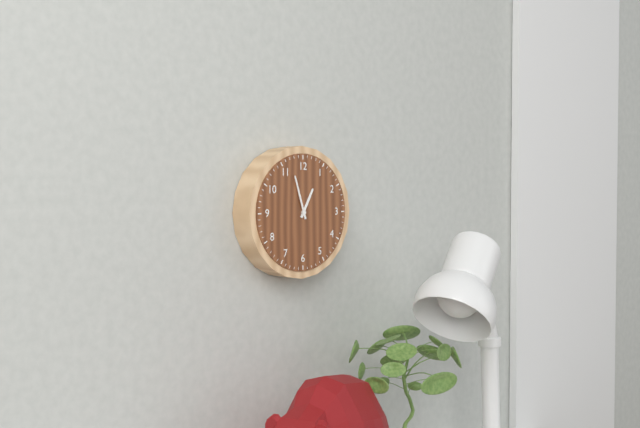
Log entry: 12:57
